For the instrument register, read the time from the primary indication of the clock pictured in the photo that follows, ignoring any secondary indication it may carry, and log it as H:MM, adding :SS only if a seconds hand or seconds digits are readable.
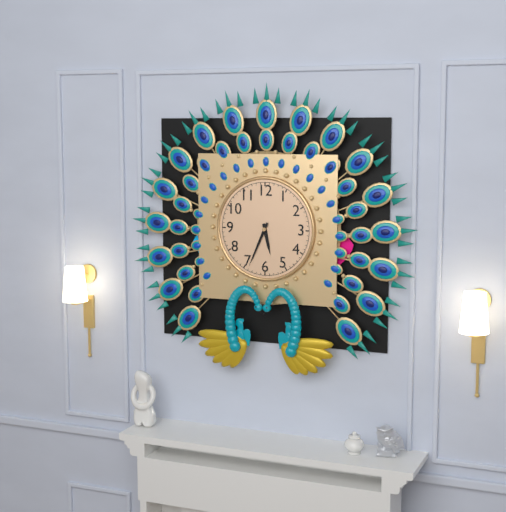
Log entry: 5:34
